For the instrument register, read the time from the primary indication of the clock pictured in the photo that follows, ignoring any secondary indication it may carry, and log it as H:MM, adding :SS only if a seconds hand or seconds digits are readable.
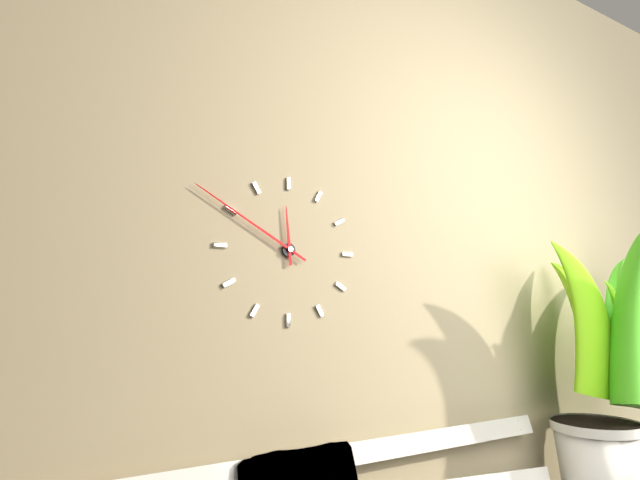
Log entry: 11:50
